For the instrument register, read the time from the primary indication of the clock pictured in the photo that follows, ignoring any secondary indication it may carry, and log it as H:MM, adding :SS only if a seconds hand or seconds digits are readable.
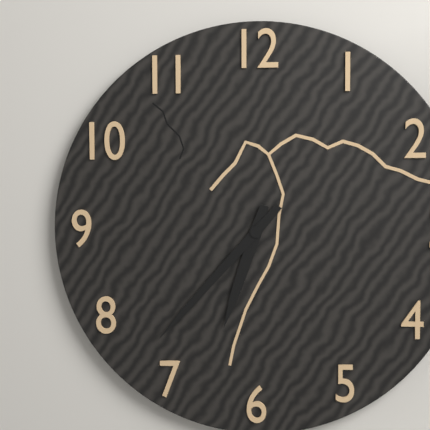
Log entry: 6:37
